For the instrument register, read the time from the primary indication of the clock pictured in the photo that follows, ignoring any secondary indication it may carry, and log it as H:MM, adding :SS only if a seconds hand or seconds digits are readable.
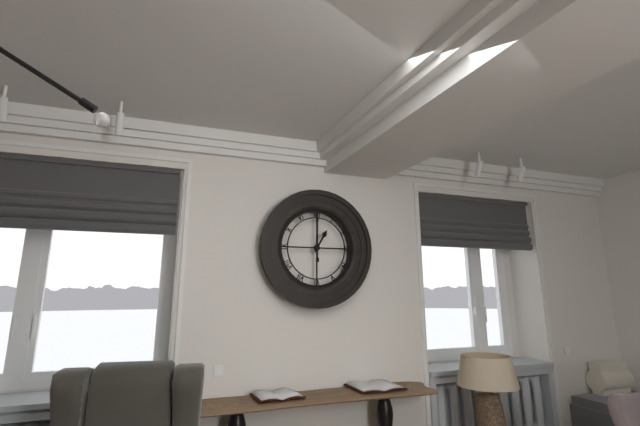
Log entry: 1:00
